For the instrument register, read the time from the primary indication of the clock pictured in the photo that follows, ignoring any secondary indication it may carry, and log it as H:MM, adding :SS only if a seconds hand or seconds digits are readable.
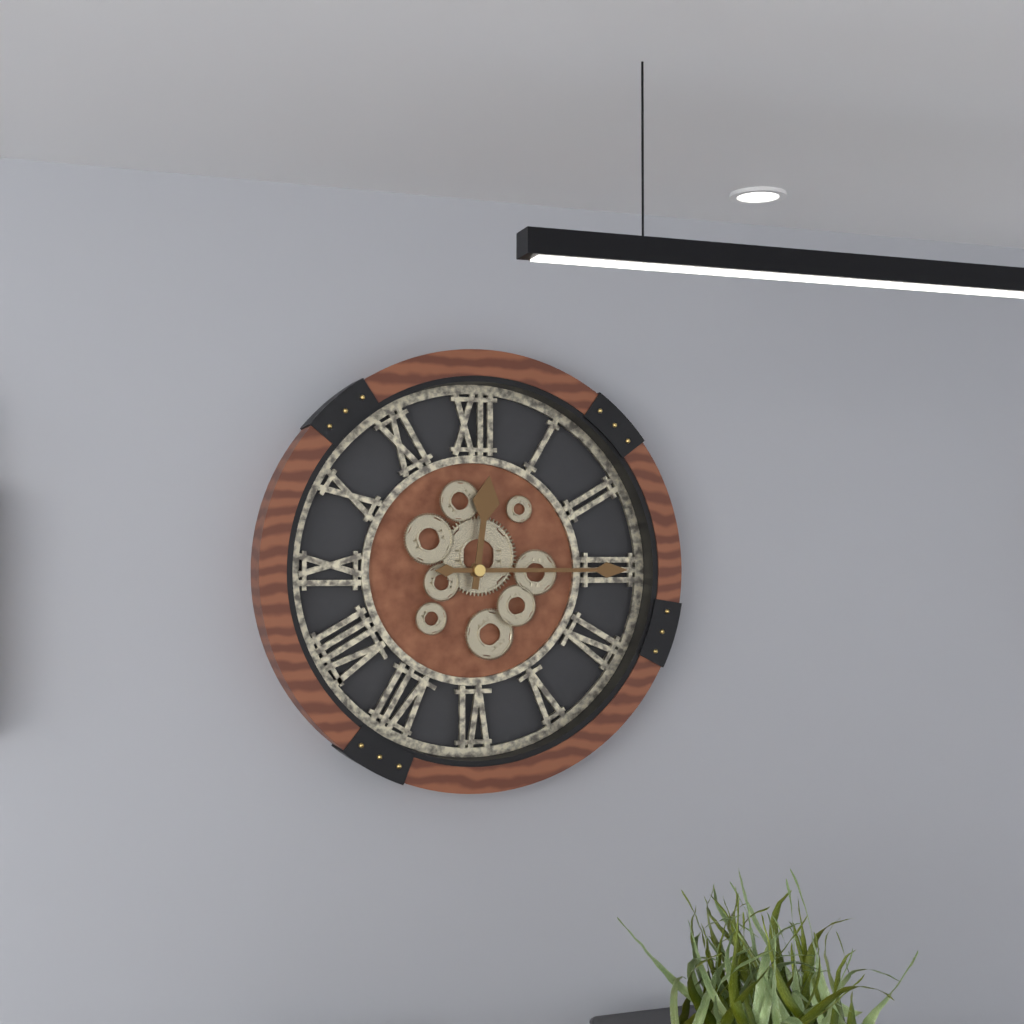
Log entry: 12:15
